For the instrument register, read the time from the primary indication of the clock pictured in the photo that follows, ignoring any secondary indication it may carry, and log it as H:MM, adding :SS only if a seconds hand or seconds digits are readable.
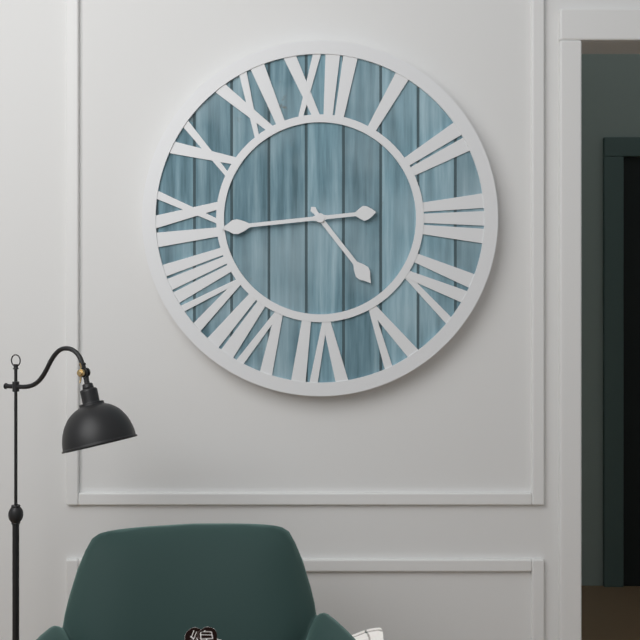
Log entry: 4:44
